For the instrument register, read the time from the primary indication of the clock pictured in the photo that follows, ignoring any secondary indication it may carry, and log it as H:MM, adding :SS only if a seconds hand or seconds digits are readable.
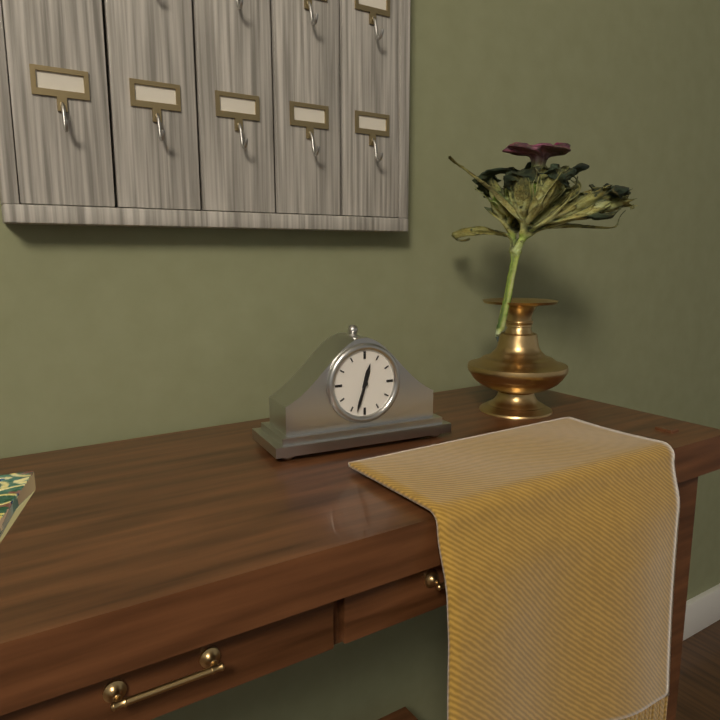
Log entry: 12:33
